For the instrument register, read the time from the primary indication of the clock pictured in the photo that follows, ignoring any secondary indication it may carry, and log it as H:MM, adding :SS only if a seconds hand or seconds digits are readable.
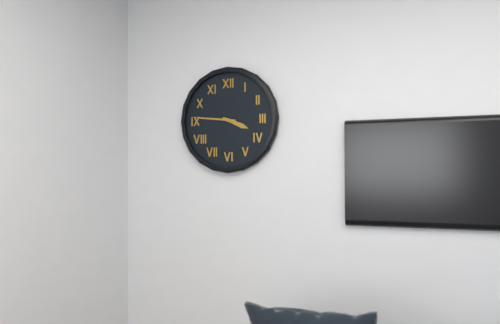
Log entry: 3:46
